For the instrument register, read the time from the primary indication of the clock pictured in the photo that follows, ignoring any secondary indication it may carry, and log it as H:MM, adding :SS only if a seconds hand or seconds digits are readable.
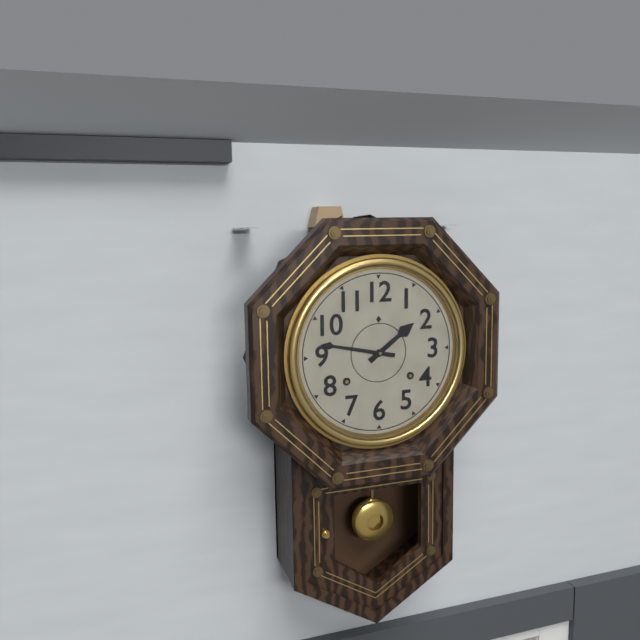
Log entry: 1:47
